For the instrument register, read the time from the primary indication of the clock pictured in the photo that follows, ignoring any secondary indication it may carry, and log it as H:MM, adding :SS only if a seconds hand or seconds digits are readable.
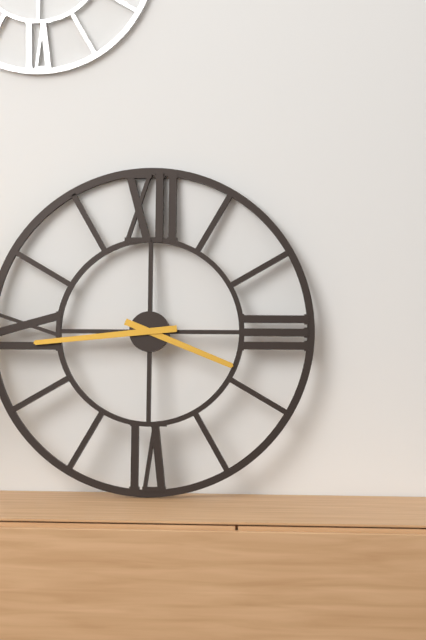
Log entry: 3:44
